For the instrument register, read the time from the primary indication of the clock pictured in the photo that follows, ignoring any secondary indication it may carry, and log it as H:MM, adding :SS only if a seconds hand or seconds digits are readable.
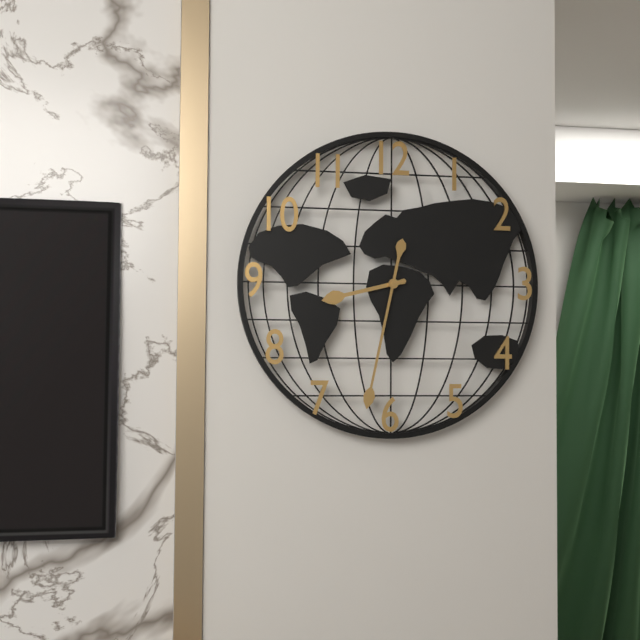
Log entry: 8:32
